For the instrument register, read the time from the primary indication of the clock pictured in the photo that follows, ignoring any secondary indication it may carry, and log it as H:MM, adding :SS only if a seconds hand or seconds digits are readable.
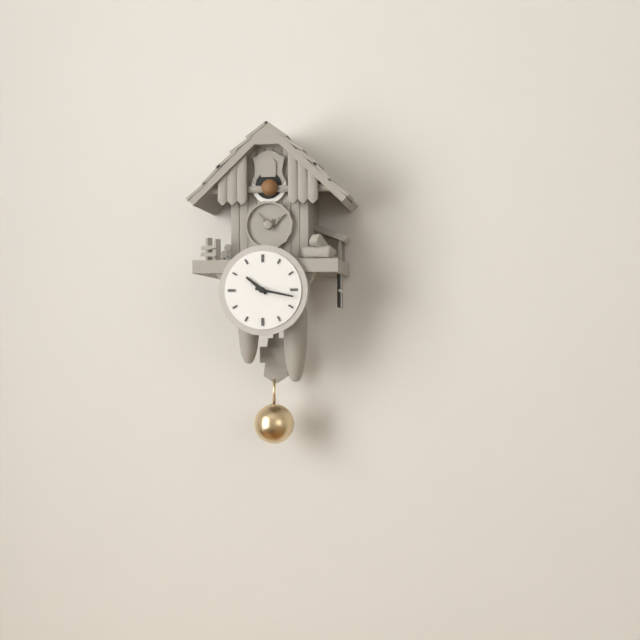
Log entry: 10:17
